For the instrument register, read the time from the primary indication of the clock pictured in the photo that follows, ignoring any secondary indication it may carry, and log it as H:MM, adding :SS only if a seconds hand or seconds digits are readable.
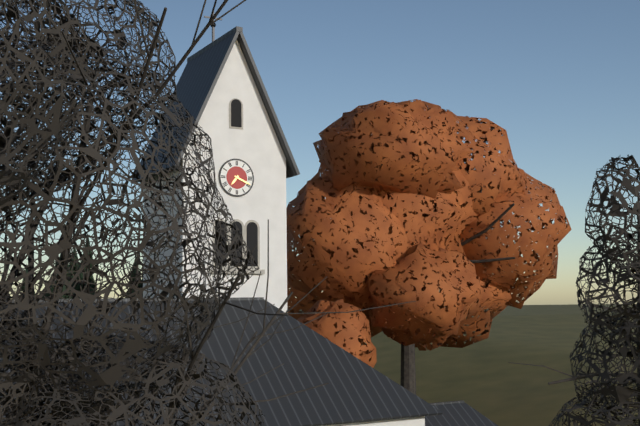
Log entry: 7:19
